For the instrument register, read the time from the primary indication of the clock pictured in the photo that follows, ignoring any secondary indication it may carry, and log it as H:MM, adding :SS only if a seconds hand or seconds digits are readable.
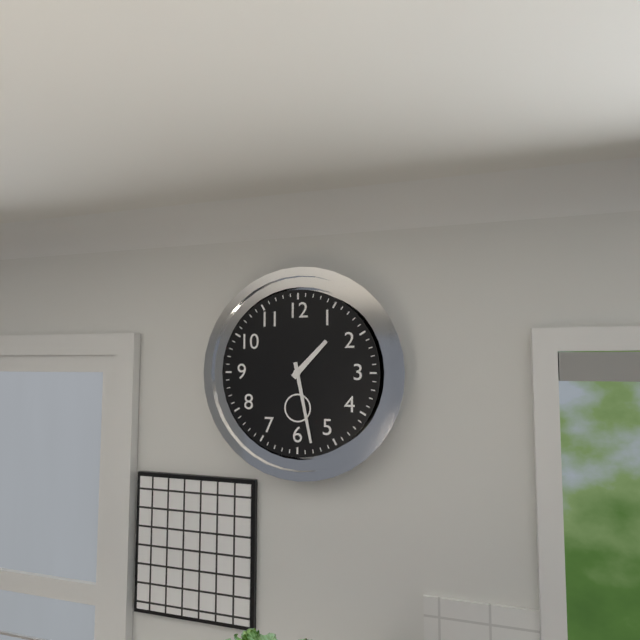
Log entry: 1:28
